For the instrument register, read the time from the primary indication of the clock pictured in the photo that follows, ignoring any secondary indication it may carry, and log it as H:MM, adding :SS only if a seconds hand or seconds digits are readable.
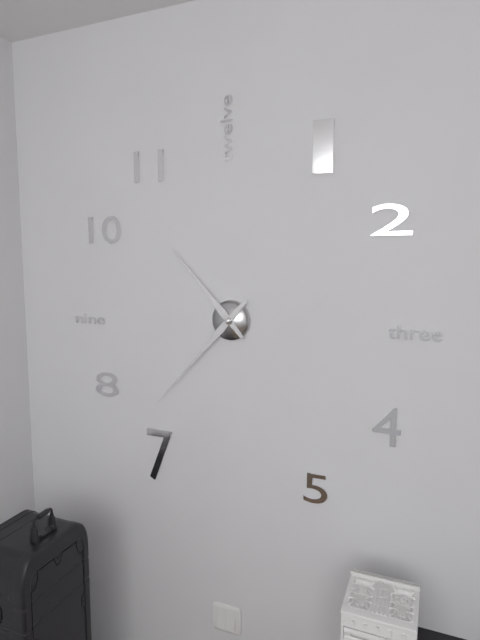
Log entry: 10:37
